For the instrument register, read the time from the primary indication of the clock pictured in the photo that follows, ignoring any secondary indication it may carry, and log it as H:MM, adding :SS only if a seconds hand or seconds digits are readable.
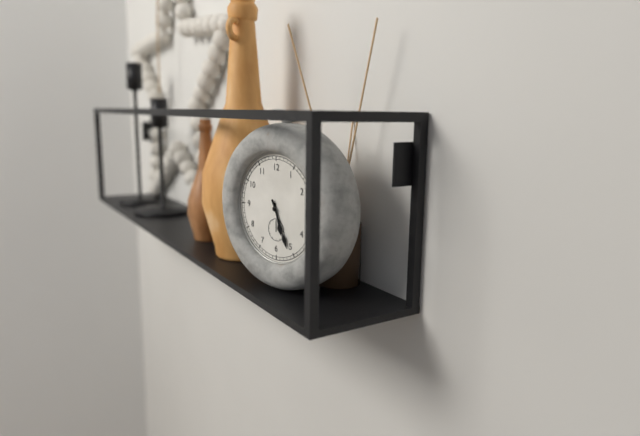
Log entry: 5:26
